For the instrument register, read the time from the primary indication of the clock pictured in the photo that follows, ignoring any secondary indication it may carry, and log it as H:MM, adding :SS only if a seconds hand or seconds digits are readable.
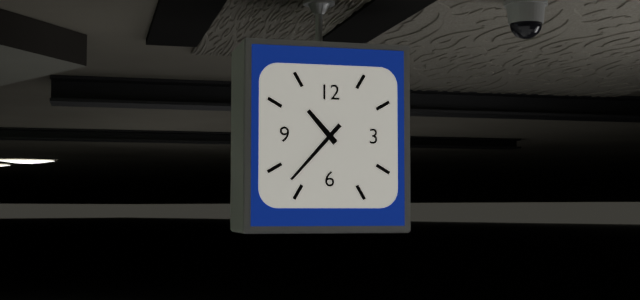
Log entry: 10:37
